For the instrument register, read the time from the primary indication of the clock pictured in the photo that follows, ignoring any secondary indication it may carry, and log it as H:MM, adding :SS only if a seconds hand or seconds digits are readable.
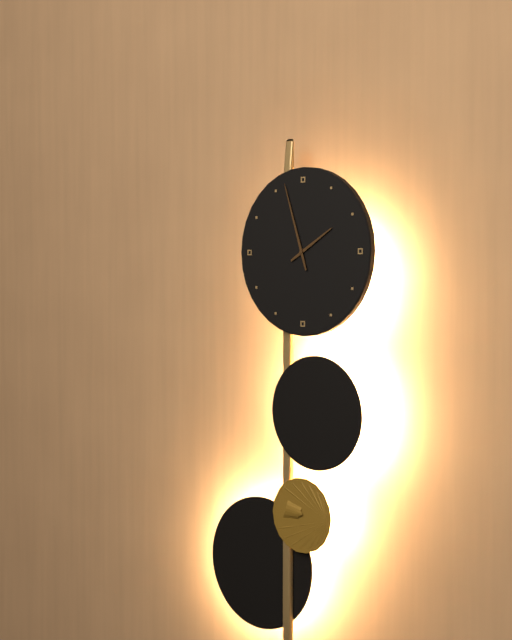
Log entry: 1:57
